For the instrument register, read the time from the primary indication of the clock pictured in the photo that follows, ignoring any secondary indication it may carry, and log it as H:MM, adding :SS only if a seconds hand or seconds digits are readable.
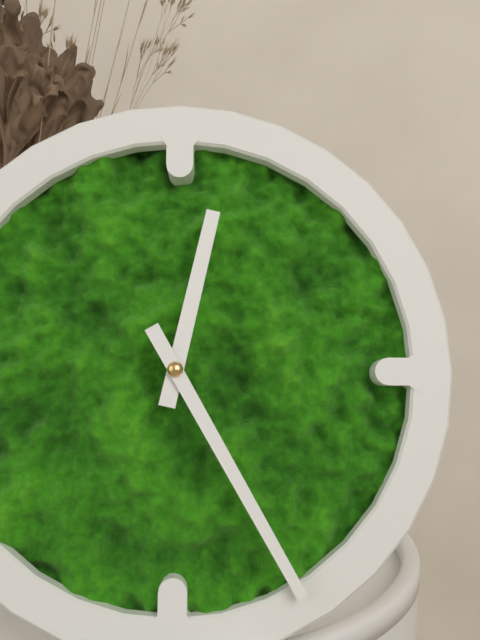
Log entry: 12:25
